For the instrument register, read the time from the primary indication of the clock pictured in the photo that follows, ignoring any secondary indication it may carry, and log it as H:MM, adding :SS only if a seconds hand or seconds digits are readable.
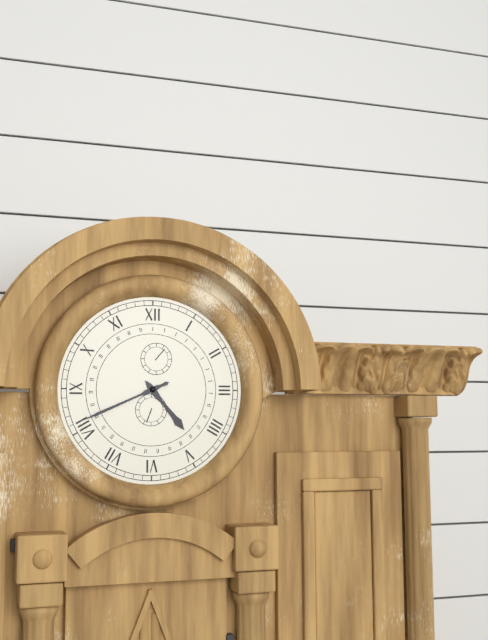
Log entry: 4:41
